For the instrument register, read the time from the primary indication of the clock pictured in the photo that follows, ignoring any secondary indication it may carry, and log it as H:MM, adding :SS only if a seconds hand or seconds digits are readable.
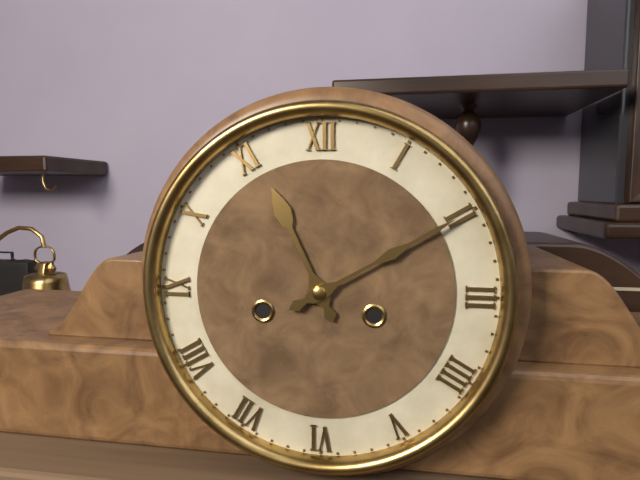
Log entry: 11:10
